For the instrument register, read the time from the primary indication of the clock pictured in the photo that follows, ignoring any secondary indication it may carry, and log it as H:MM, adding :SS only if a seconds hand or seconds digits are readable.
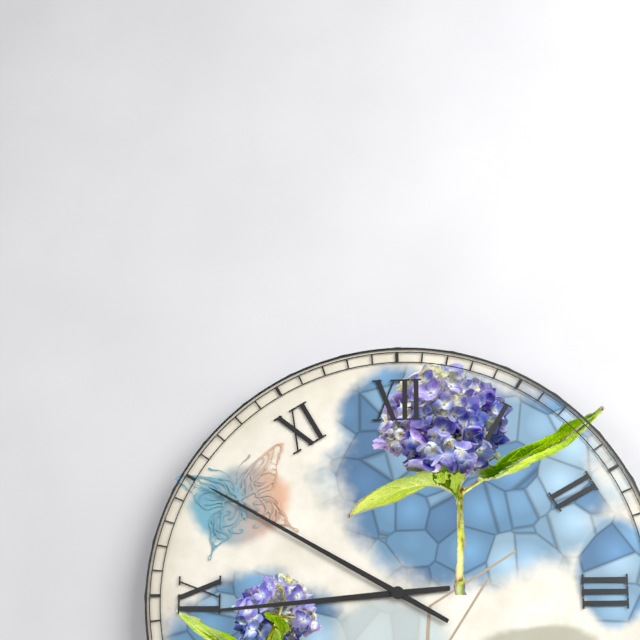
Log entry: 8:50
